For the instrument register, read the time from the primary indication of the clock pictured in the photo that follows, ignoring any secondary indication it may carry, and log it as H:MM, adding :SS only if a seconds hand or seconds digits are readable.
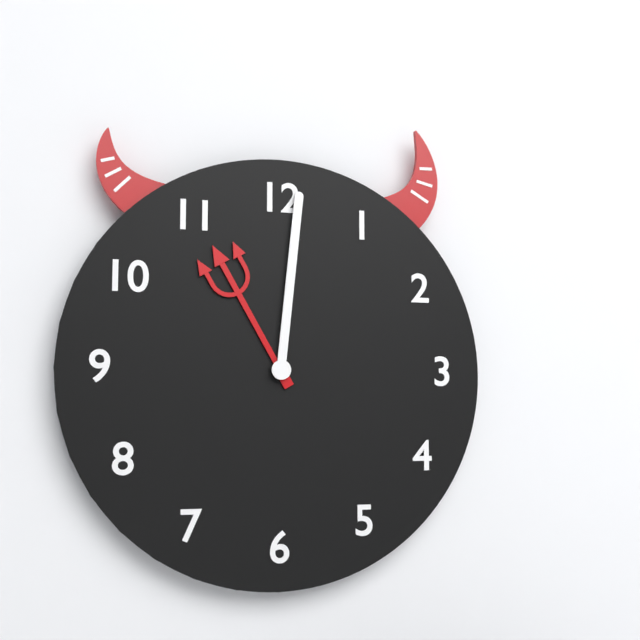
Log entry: 11:01
